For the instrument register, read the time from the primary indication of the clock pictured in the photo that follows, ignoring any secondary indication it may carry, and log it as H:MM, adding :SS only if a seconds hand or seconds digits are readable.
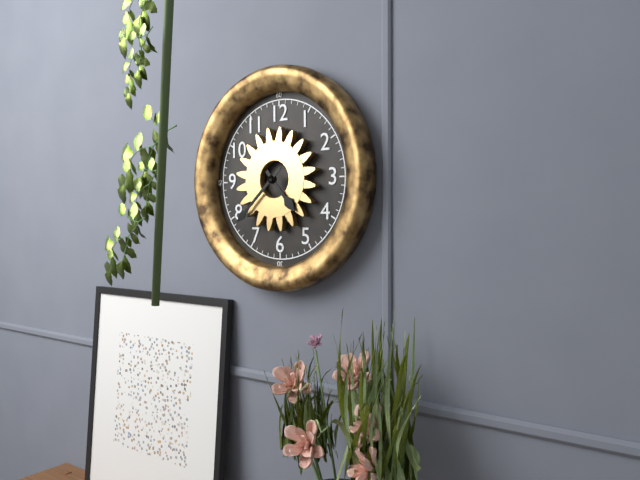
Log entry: 4:38
